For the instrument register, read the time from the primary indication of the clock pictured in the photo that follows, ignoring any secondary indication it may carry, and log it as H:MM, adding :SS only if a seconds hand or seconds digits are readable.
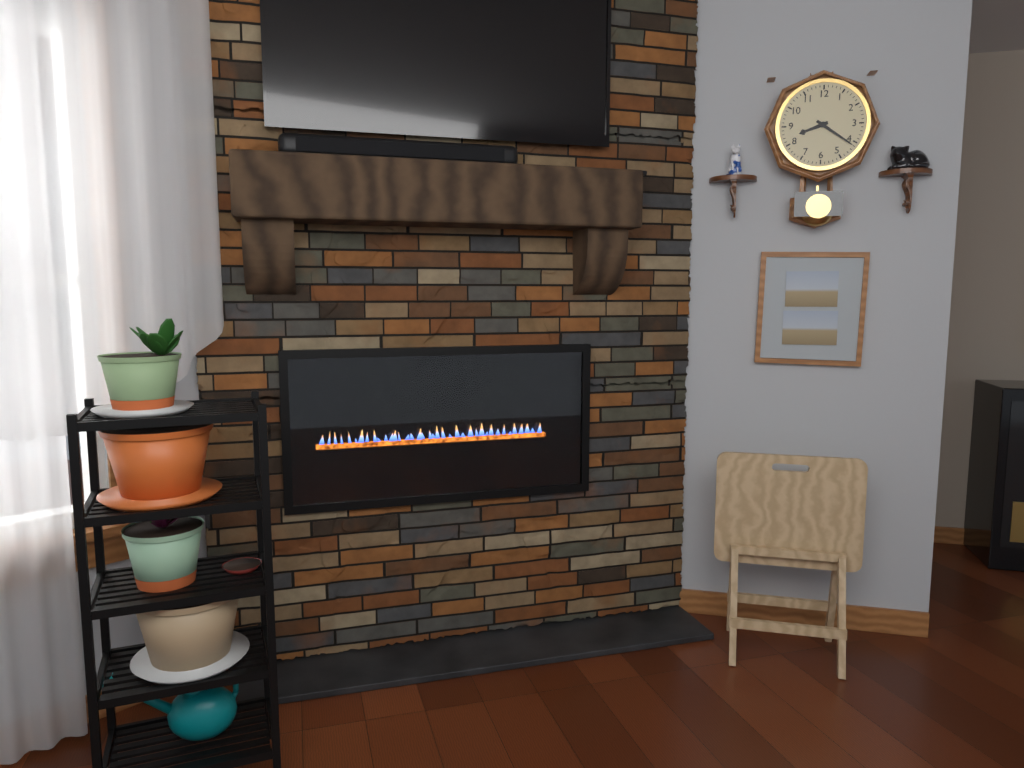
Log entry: 8:21
